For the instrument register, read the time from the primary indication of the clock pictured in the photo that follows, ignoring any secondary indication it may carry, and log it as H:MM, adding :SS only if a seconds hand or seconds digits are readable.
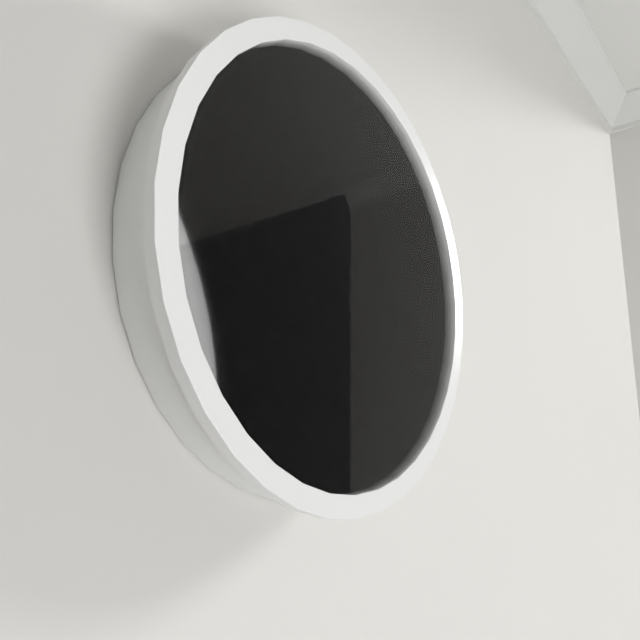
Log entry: 4:45
